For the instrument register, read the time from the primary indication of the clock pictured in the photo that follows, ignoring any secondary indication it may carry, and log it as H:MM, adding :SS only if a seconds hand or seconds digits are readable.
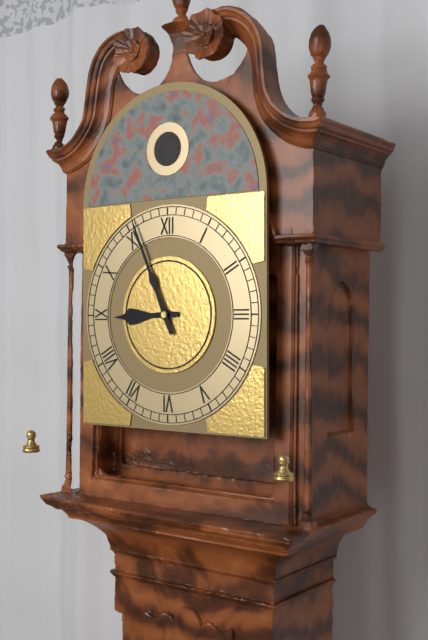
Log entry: 8:56
